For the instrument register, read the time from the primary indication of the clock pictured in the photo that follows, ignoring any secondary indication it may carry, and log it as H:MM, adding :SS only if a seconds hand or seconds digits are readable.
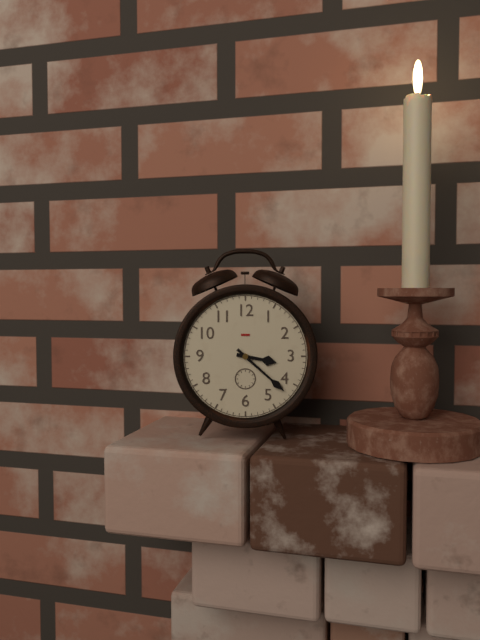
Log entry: 3:22
